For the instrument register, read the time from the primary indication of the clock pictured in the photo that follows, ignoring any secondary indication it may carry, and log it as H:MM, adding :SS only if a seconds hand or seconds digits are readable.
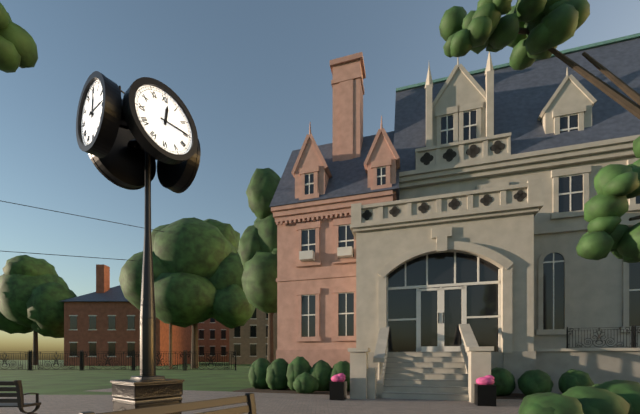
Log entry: 12:15
